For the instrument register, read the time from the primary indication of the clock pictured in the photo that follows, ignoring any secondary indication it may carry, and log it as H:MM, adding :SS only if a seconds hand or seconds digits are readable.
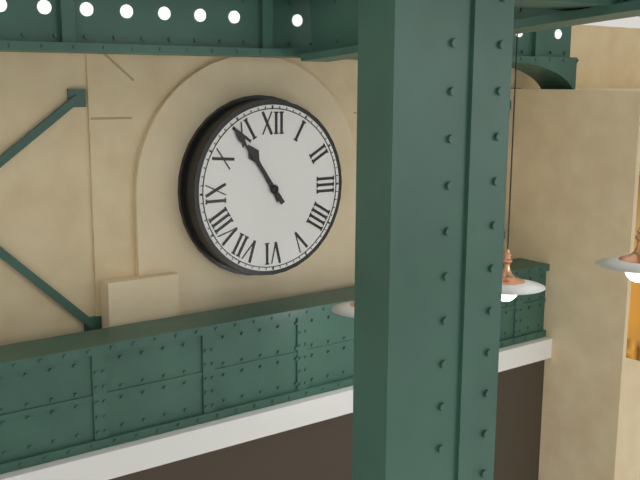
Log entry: 10:54
